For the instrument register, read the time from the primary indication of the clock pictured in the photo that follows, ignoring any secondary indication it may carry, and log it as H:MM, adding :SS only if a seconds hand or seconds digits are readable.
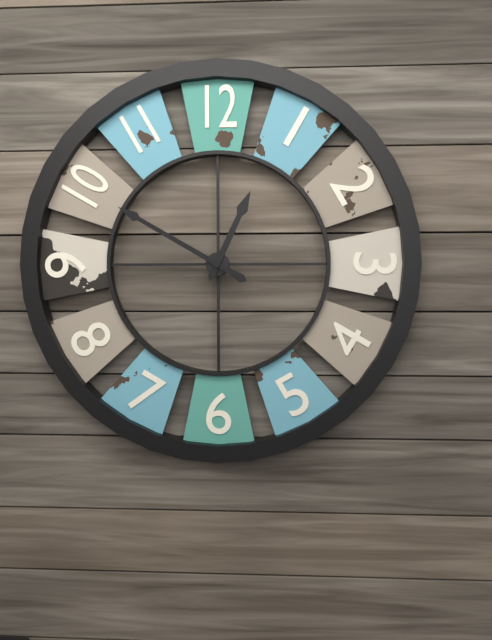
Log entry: 12:50
